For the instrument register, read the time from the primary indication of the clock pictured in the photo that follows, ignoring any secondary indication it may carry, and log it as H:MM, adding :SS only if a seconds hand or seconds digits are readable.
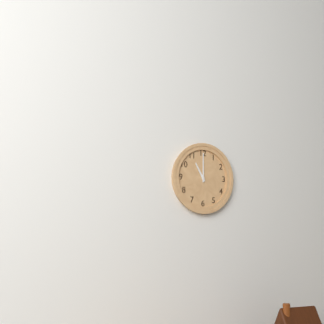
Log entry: 11:00
